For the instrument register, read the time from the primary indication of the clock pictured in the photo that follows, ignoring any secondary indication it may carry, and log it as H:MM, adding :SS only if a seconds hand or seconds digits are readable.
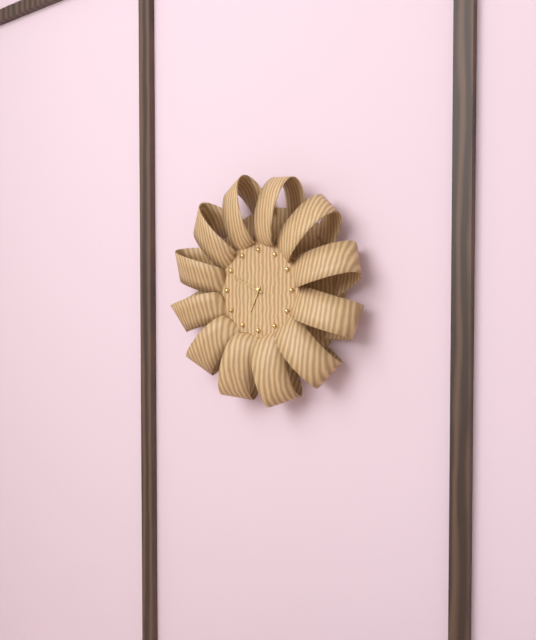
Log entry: 6:49
